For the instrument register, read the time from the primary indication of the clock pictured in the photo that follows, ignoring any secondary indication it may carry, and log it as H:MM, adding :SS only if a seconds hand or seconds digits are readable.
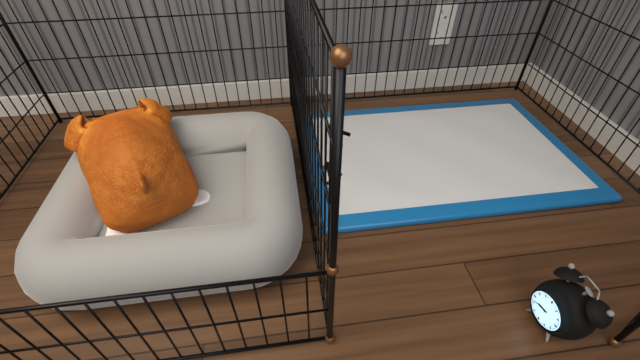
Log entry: 8:42
